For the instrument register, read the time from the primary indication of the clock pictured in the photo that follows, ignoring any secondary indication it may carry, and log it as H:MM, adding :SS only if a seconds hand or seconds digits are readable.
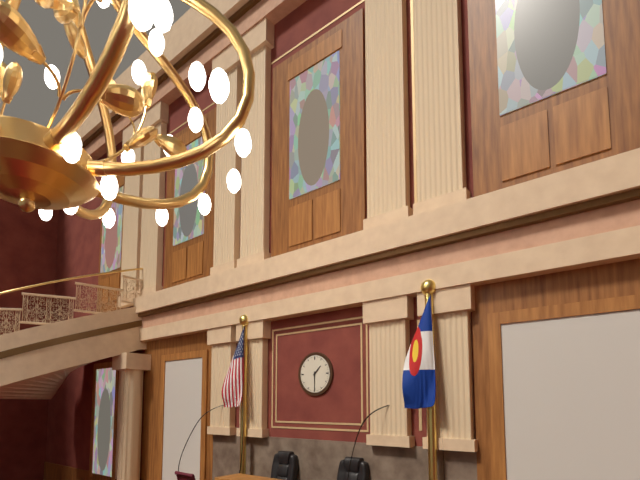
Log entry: 1:30
